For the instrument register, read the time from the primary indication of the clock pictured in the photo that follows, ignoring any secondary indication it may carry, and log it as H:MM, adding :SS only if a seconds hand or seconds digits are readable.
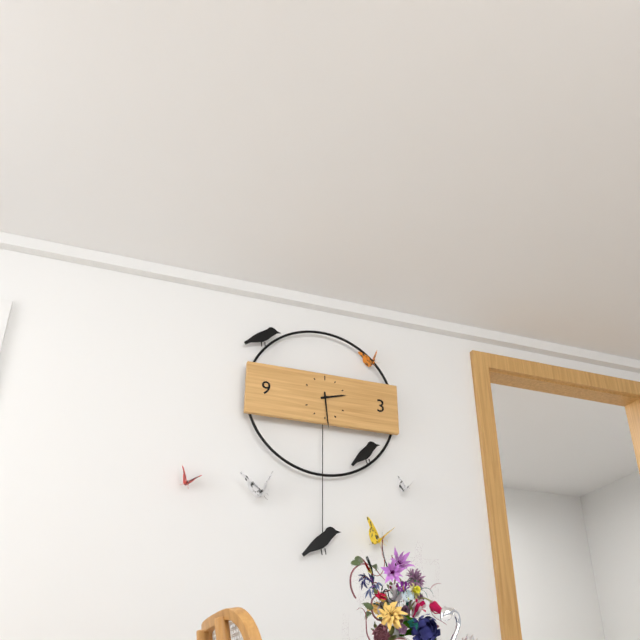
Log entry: 2:29
